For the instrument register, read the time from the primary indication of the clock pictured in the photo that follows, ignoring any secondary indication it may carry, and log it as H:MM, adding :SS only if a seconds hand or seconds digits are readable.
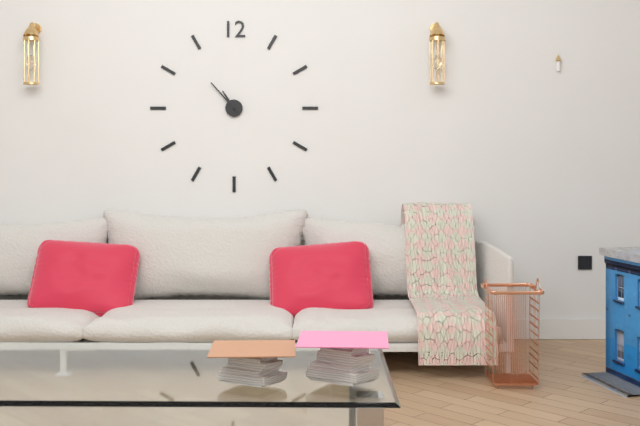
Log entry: 10:53
